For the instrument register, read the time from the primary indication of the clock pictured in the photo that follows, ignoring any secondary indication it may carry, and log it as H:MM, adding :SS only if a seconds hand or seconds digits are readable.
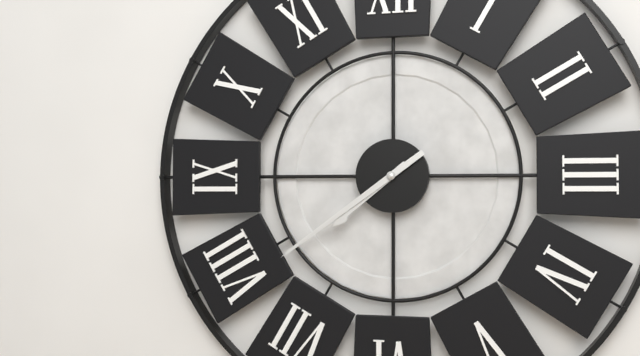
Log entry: 7:39
